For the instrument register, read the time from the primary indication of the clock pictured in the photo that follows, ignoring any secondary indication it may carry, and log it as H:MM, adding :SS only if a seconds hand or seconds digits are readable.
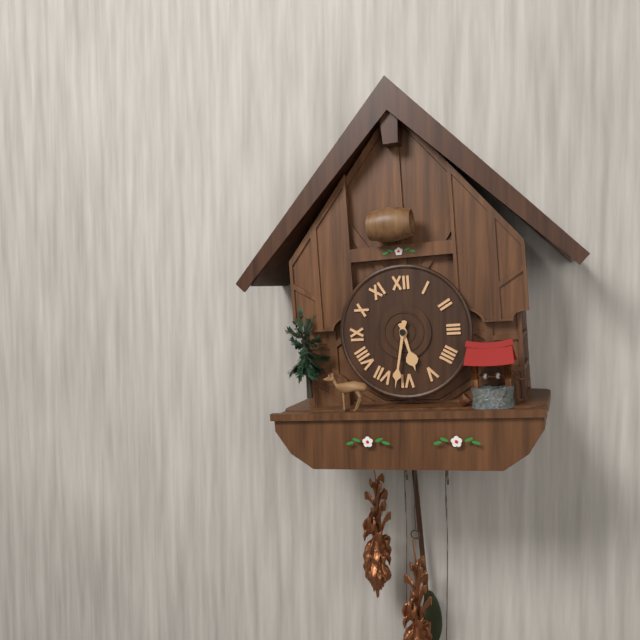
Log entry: 5:32
